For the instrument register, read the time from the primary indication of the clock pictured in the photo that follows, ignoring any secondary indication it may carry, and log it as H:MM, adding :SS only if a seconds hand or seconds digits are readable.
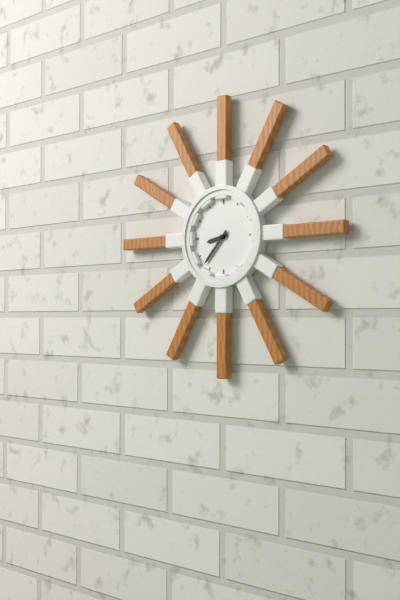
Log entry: 8:37
